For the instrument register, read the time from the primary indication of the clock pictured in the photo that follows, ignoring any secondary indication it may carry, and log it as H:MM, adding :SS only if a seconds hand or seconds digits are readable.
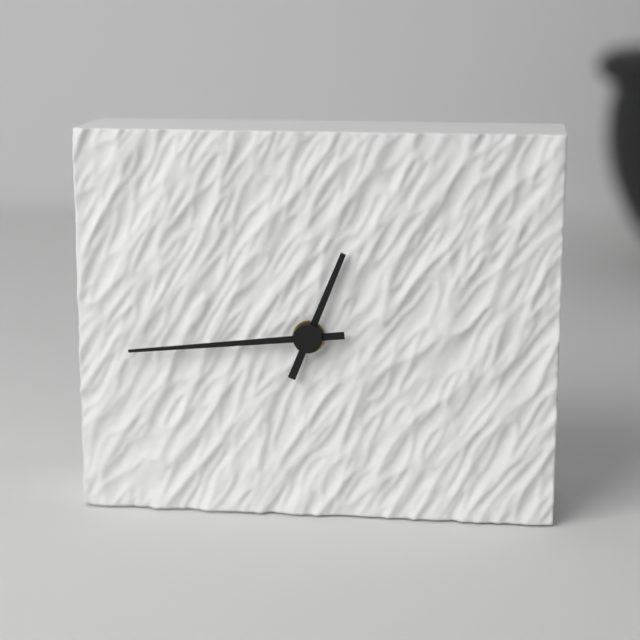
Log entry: 12:44
